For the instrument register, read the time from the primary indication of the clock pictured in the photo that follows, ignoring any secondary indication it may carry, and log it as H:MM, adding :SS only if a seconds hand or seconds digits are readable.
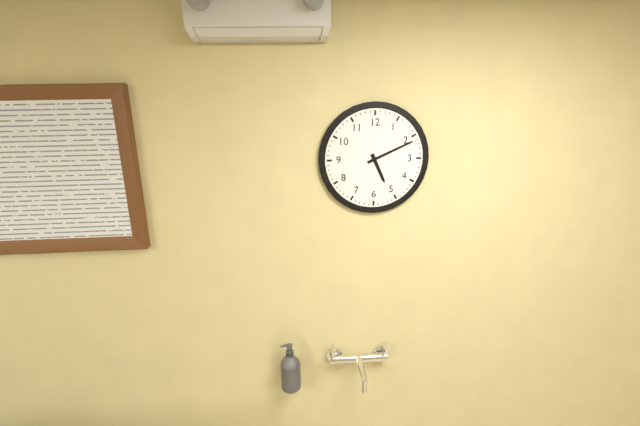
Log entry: 5:11
